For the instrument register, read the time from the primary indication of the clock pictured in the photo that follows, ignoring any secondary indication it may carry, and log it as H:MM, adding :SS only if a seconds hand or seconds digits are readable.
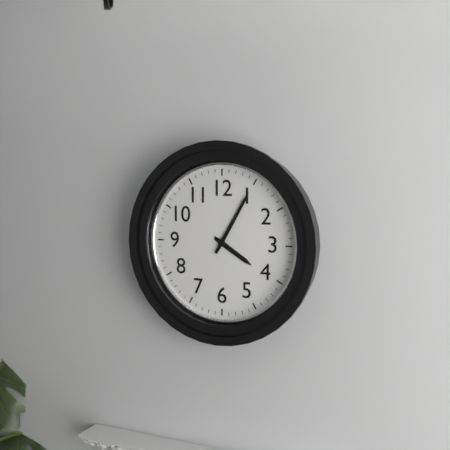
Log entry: 4:05
